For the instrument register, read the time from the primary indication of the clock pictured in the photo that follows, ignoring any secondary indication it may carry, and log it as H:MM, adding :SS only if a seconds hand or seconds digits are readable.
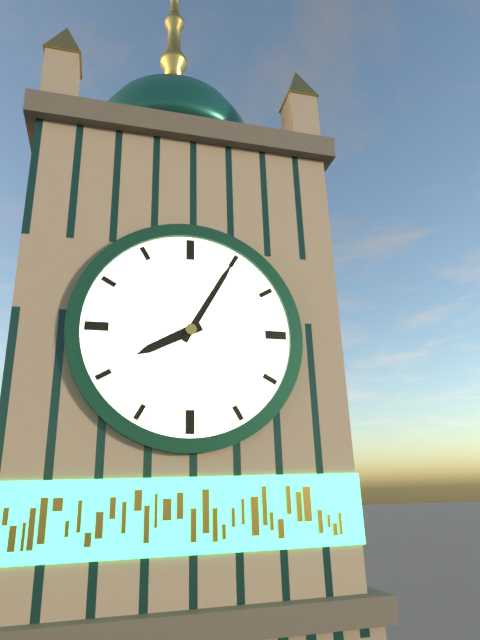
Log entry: 8:05
